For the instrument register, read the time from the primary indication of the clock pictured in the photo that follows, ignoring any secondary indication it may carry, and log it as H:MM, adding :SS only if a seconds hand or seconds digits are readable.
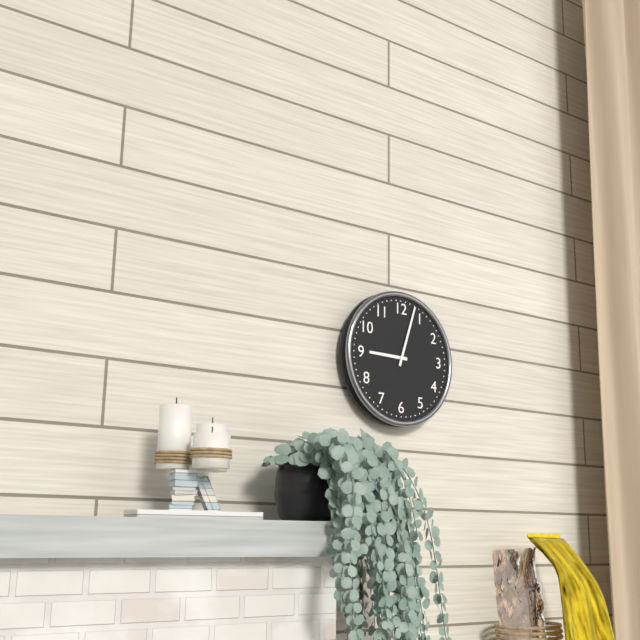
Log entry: 9:03
